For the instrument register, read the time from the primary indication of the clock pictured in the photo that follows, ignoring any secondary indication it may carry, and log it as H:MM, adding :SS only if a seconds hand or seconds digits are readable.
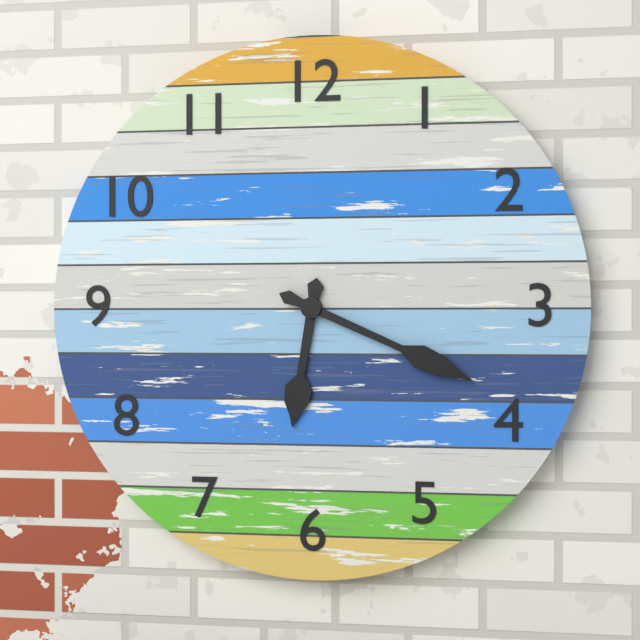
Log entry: 6:19
